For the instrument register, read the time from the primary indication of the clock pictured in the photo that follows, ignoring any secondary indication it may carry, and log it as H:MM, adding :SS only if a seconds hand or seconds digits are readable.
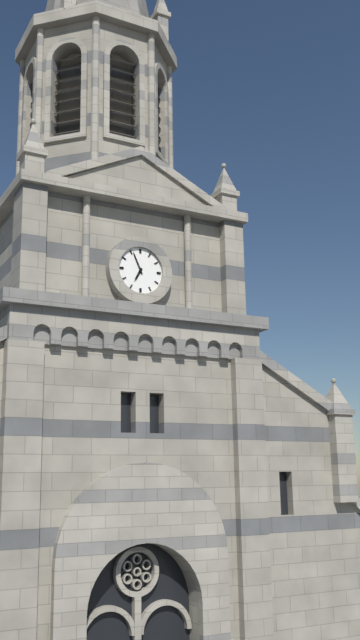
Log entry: 6:56
